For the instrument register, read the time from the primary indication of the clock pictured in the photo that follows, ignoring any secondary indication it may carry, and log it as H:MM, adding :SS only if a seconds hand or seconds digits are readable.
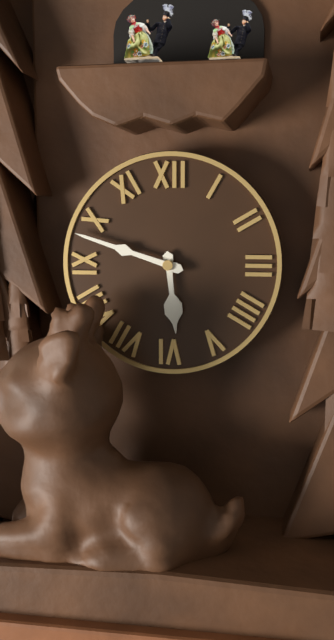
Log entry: 5:48
